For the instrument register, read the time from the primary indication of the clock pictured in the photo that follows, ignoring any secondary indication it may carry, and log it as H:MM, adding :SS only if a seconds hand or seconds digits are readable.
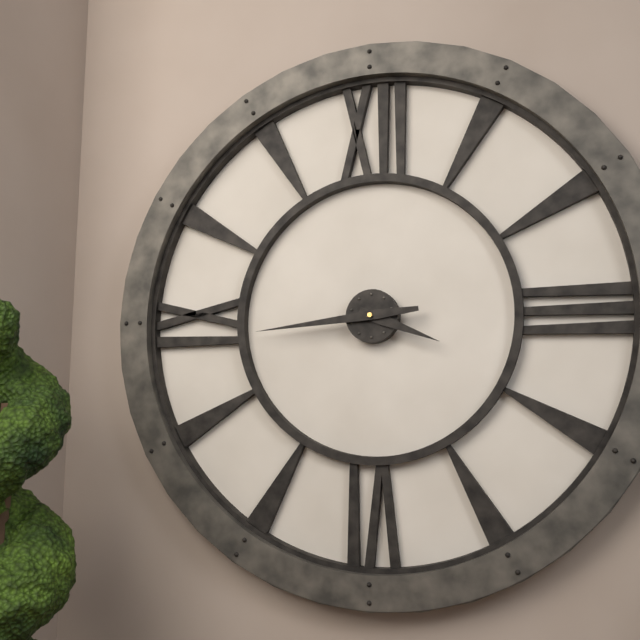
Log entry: 3:44
